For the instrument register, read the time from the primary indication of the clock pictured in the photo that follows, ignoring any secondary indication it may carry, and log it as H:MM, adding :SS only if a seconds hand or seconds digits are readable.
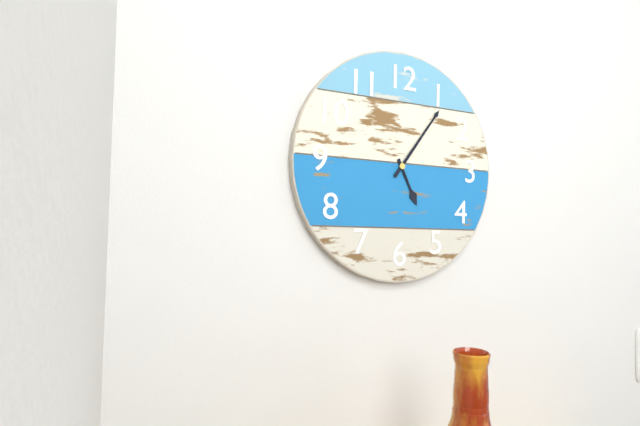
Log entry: 5:06
